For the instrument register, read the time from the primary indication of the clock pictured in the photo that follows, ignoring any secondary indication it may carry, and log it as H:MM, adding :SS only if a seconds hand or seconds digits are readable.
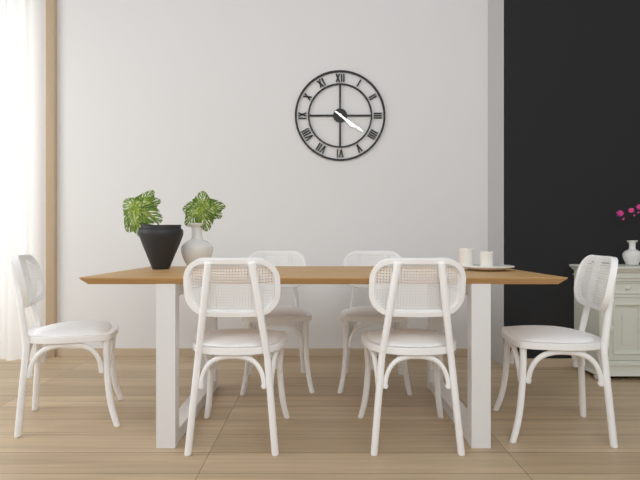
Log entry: 4:21
